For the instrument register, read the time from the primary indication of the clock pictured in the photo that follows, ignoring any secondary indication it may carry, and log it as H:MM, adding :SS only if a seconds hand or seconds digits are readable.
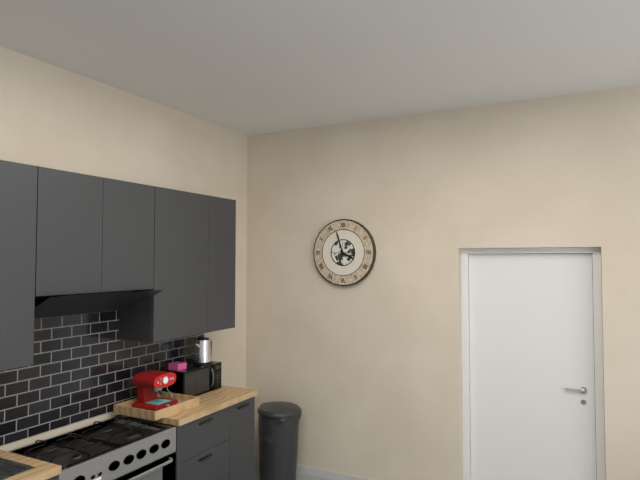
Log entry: 3:57
